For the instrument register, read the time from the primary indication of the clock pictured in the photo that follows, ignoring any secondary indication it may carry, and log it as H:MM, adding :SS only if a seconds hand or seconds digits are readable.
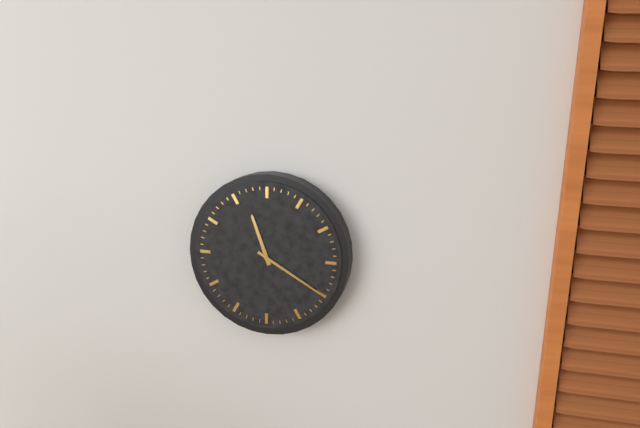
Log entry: 11:20
